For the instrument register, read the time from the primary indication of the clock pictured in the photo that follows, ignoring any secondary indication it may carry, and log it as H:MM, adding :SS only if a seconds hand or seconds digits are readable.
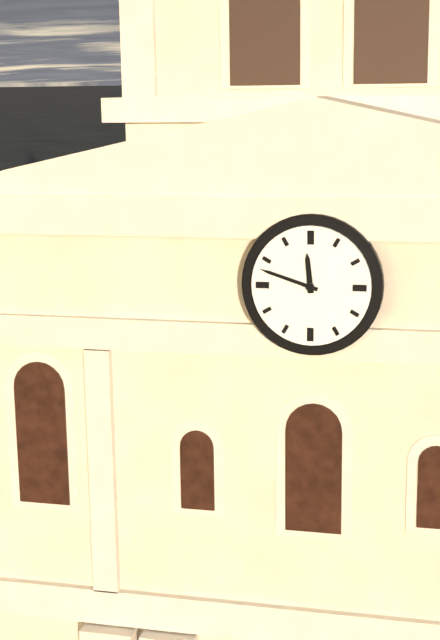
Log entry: 11:48
